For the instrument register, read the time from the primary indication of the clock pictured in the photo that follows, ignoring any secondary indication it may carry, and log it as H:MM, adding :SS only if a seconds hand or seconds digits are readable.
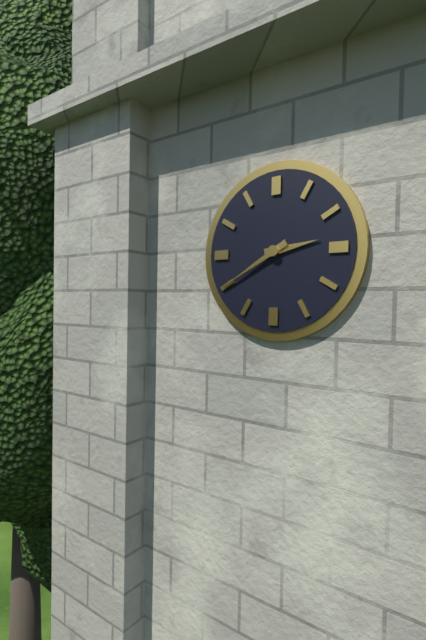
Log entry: 2:40
